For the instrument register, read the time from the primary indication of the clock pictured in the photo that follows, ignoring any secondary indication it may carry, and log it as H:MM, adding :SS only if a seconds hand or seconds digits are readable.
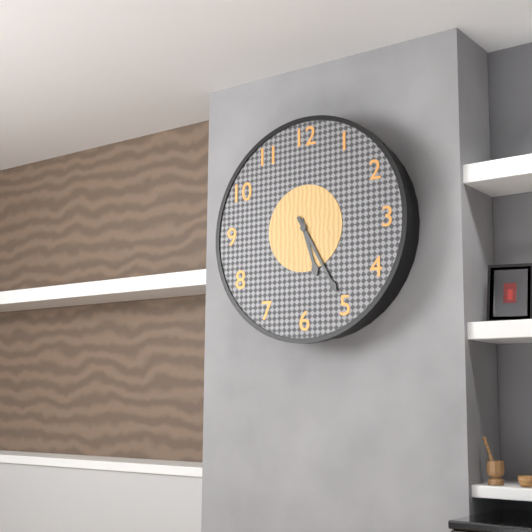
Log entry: 5:25
